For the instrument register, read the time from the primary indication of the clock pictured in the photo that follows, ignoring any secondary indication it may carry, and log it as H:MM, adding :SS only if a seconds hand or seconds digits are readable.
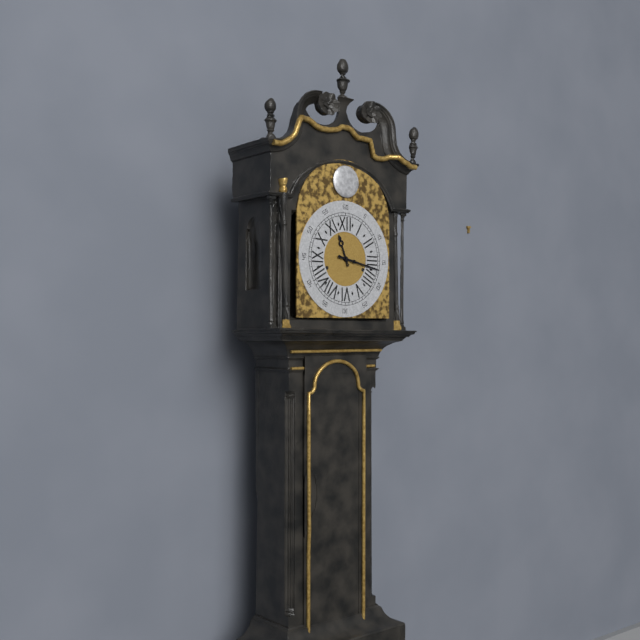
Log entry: 11:17
